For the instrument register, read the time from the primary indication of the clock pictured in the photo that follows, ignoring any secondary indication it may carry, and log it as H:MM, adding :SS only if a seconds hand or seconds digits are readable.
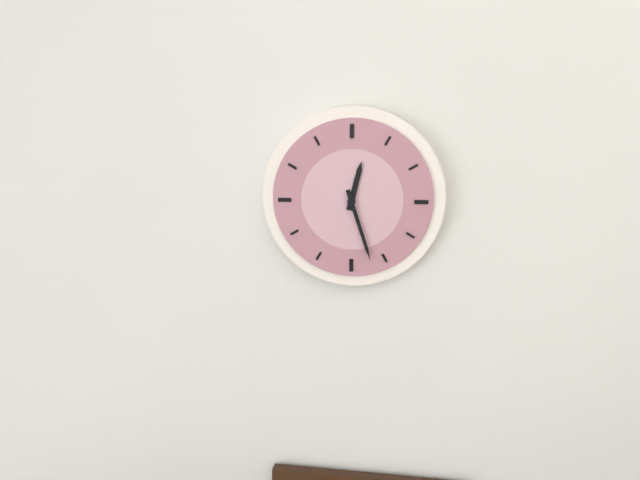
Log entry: 12:27
